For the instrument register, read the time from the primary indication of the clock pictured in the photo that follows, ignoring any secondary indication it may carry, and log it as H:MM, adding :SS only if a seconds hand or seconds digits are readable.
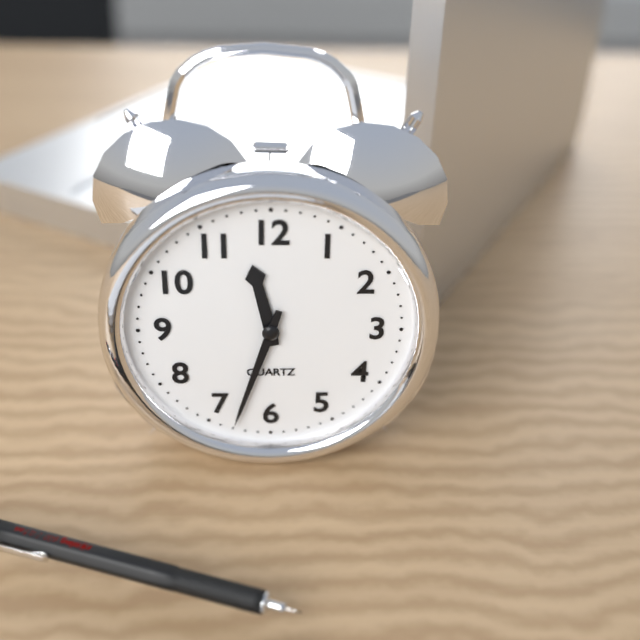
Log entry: 11:33
